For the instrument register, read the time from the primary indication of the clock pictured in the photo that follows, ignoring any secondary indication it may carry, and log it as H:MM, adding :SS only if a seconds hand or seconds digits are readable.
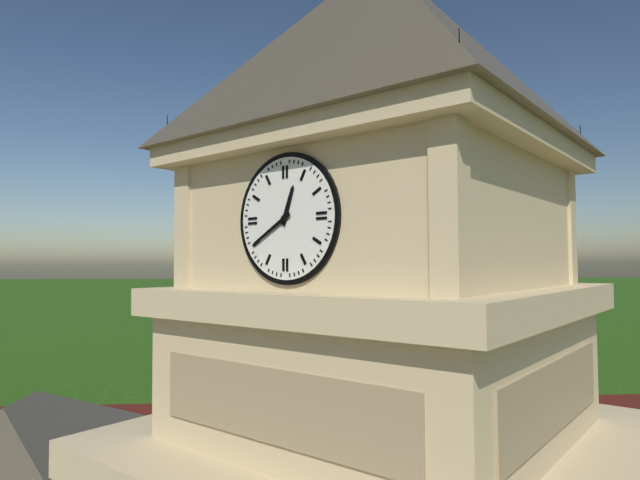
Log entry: 12:40
